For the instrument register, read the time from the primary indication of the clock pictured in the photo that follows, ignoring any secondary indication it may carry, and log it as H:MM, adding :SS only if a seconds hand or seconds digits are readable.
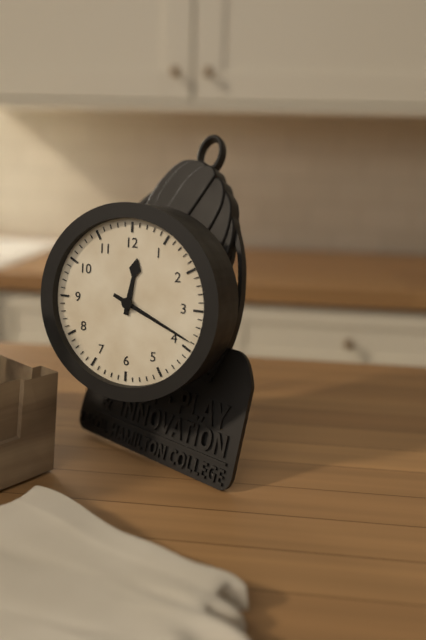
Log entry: 12:19
